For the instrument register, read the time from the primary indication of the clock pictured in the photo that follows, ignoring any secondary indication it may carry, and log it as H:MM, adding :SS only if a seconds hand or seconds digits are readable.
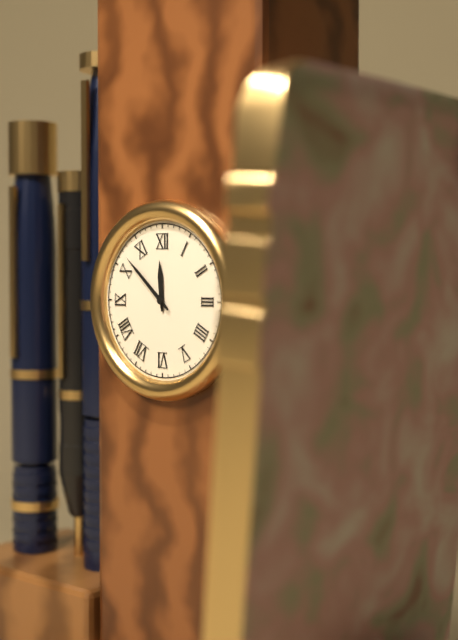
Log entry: 11:52
